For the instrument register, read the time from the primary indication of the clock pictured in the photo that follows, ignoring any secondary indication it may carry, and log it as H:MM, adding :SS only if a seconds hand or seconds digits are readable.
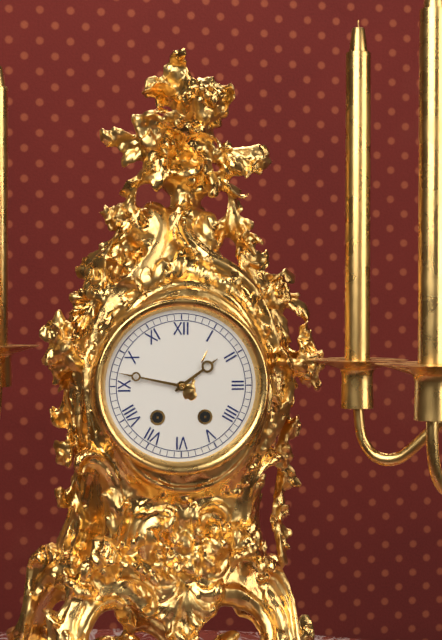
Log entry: 1:47
